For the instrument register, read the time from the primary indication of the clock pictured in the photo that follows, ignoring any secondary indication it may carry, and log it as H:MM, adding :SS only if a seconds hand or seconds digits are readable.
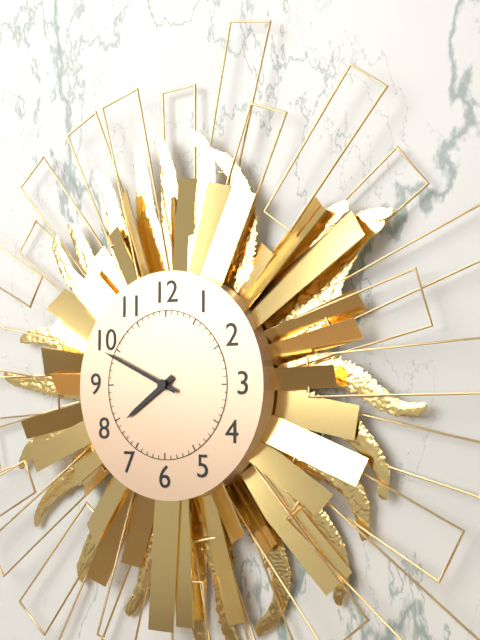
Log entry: 7:49
